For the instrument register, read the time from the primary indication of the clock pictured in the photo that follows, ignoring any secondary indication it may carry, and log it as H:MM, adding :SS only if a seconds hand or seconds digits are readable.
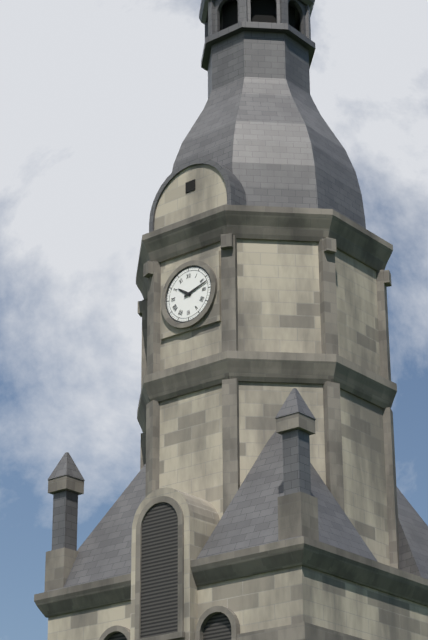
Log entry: 10:12
